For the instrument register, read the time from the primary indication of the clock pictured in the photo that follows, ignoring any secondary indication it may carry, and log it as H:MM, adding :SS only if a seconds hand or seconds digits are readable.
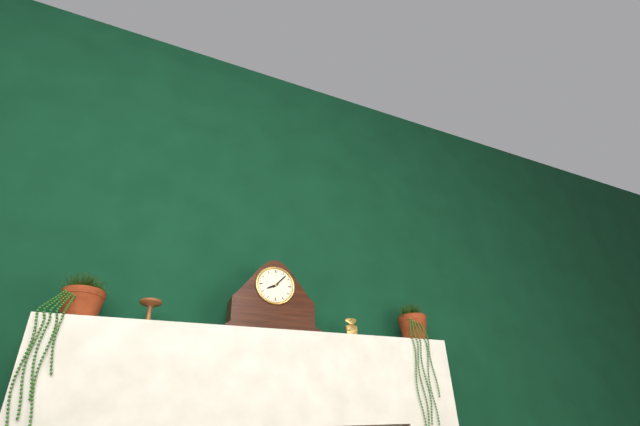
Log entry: 8:07
